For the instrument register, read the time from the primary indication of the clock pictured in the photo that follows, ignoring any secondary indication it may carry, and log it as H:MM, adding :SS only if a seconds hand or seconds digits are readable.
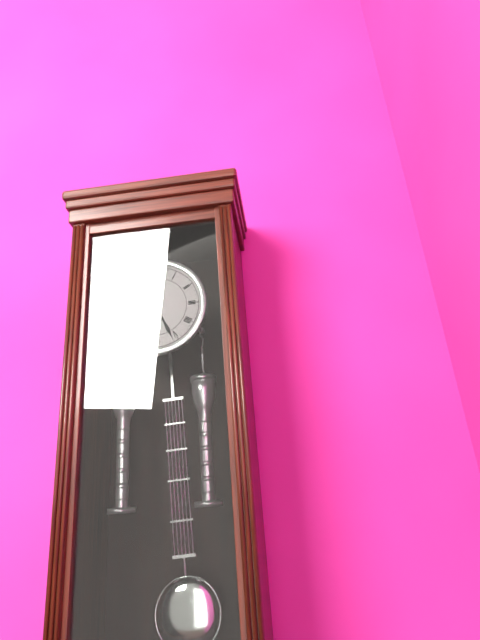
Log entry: 6:26
